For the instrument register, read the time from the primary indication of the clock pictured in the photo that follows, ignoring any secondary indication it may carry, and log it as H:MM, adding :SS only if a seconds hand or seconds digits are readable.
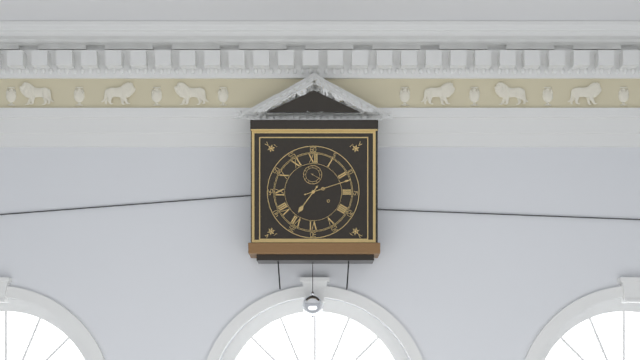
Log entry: 7:12
